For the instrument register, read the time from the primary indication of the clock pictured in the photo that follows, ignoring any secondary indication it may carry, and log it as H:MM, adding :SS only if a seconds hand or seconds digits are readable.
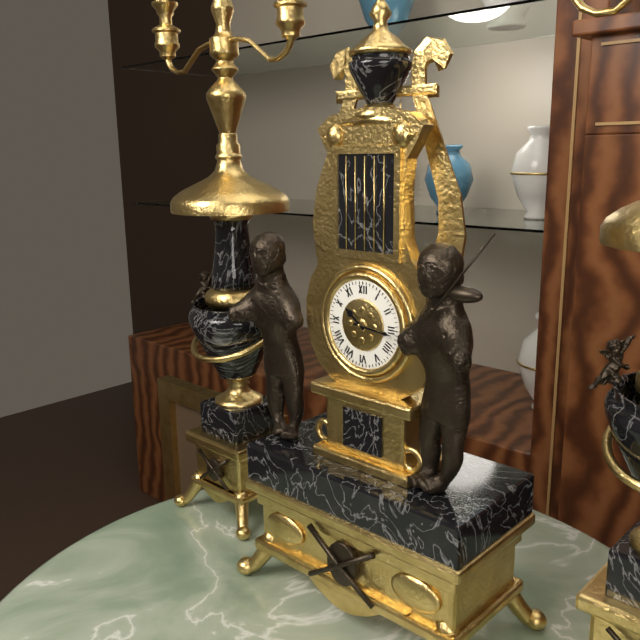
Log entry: 10:16
